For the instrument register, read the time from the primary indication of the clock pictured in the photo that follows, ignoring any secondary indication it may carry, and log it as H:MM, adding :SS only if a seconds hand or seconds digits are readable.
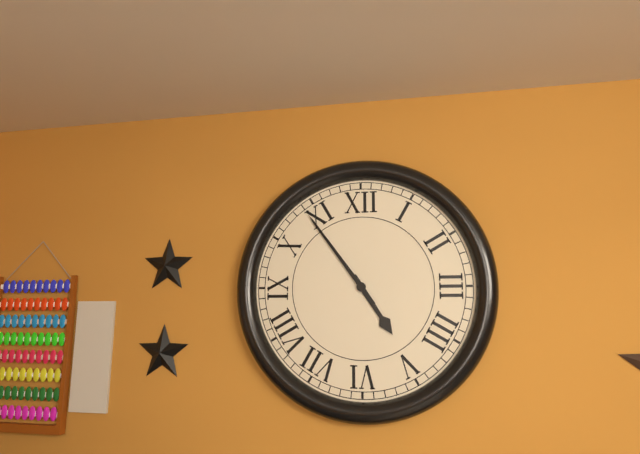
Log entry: 4:54
